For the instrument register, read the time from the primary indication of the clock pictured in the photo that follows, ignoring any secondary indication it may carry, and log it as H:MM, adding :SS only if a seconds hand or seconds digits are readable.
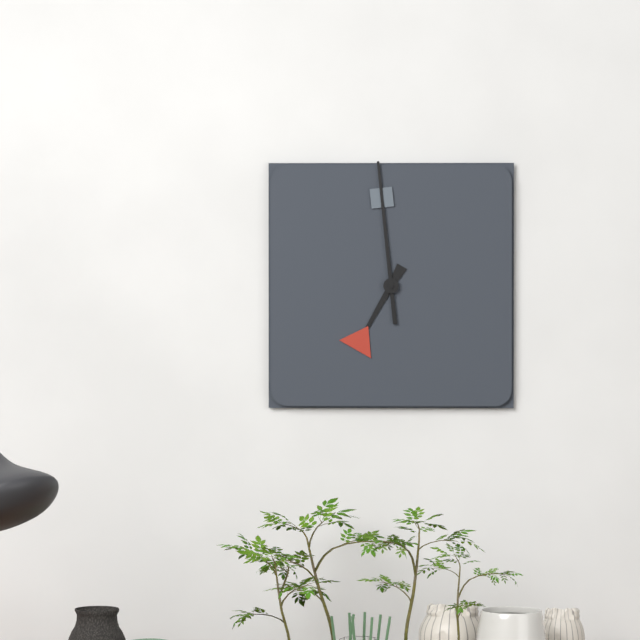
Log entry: 6:59
